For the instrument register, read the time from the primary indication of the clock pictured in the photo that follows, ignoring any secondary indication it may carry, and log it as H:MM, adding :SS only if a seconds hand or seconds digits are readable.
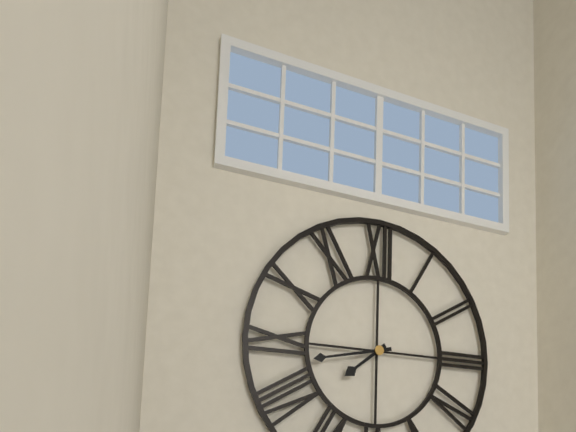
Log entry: 7:43
